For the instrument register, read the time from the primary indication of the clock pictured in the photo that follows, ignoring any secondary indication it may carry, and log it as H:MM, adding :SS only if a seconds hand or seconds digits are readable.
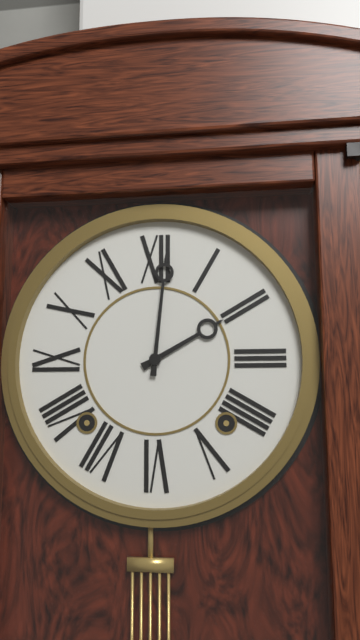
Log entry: 2:01
